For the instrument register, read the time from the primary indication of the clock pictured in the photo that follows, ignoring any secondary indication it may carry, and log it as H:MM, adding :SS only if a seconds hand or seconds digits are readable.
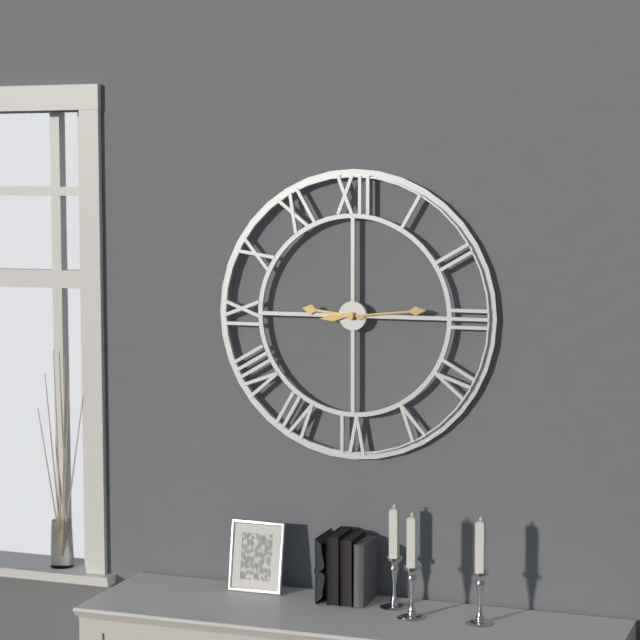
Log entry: 9:14
